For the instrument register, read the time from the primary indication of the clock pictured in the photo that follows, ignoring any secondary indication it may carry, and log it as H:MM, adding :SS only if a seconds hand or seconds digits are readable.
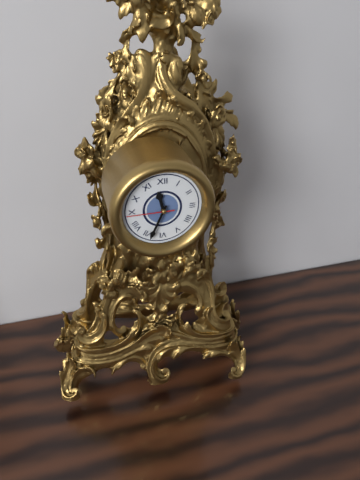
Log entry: 11:34
